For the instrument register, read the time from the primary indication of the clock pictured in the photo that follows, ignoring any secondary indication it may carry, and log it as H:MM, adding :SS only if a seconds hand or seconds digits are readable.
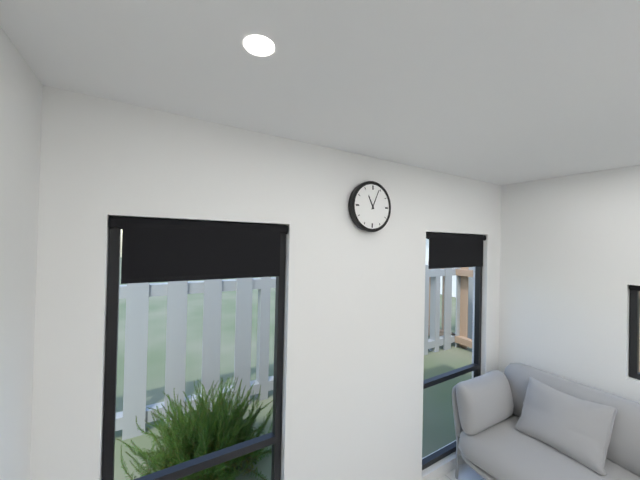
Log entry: 11:04
